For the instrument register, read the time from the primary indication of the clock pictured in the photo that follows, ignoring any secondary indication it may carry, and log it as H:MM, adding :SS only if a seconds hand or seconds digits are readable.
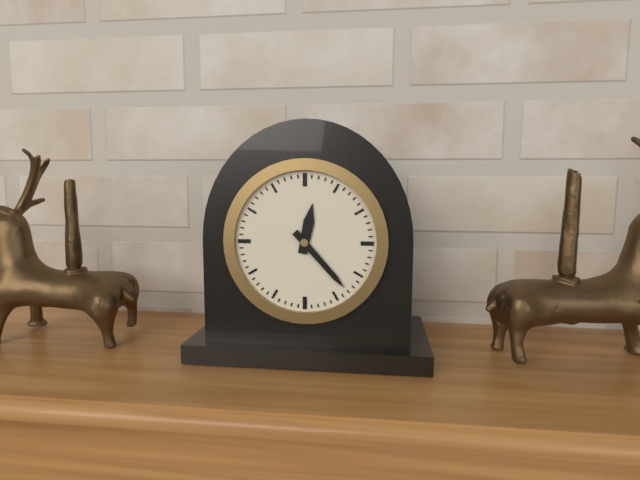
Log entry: 12:23
